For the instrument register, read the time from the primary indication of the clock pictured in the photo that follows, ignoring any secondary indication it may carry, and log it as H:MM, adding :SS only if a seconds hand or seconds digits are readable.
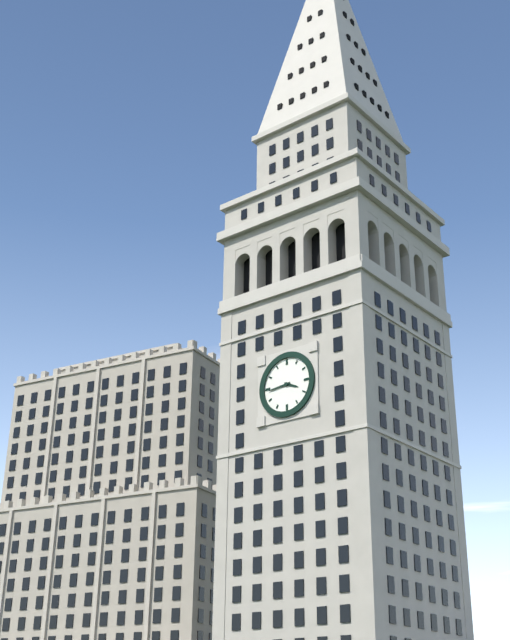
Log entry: 3:44
